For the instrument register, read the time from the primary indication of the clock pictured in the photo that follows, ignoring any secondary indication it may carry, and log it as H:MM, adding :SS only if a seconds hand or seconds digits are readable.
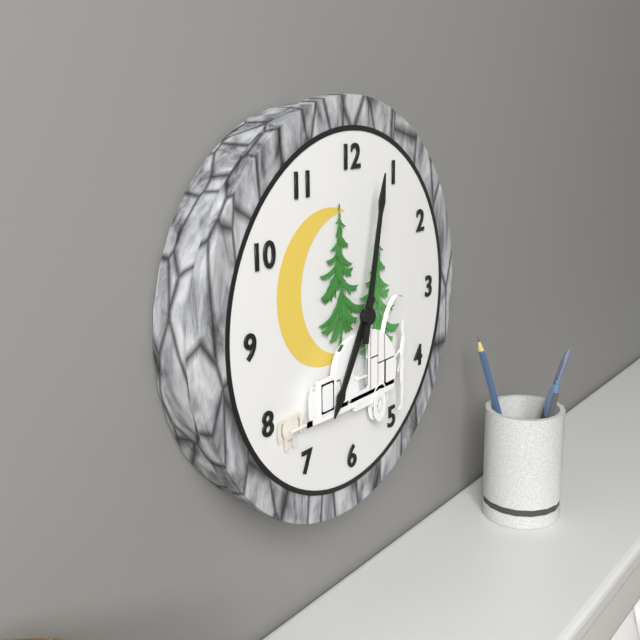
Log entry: 7:02
